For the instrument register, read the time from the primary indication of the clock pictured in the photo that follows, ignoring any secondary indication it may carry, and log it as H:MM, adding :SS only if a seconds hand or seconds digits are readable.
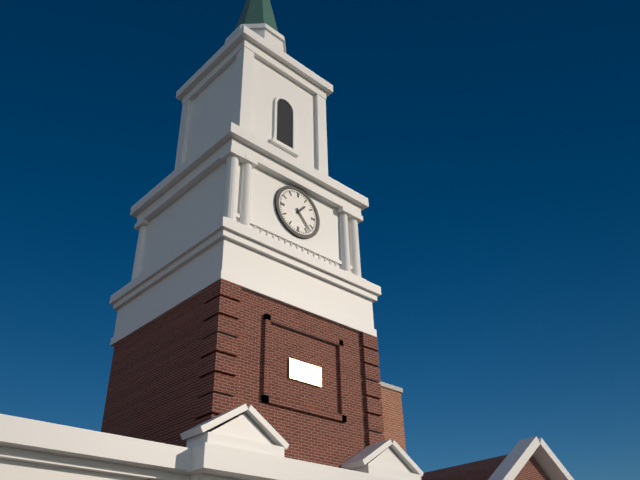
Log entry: 1:23
